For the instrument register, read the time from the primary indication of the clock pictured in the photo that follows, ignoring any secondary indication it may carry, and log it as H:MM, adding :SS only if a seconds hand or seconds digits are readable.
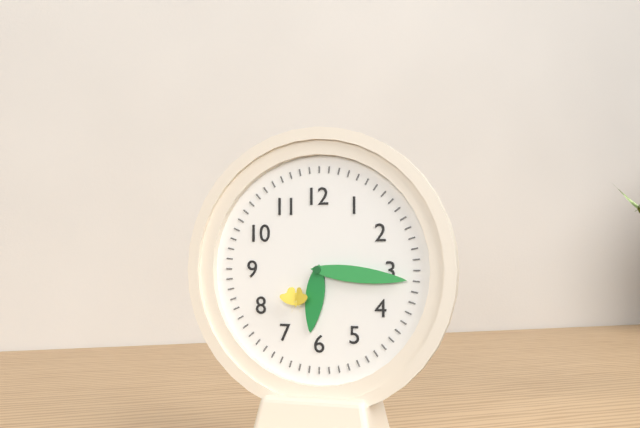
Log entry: 6:16
